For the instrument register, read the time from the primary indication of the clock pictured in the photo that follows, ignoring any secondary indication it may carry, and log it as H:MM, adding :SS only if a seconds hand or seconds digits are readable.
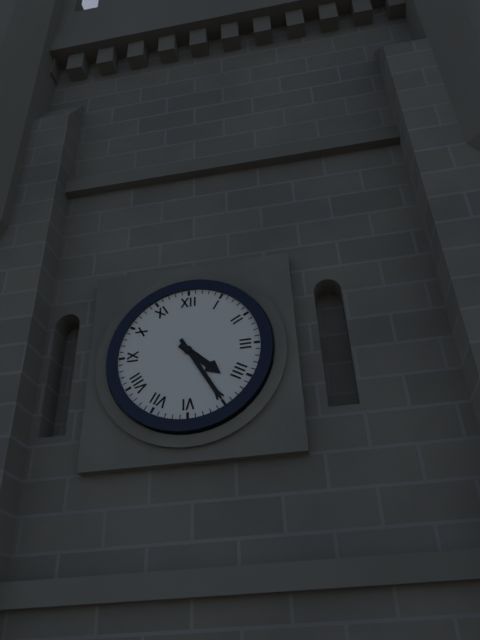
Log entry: 4:25
